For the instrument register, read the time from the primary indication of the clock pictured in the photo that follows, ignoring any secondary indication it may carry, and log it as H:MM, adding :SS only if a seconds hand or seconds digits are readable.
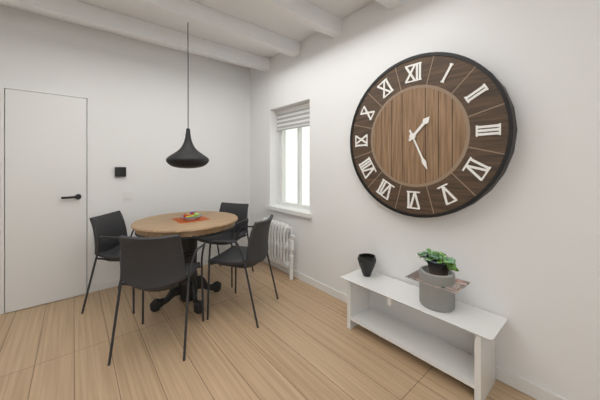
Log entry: 1:26
